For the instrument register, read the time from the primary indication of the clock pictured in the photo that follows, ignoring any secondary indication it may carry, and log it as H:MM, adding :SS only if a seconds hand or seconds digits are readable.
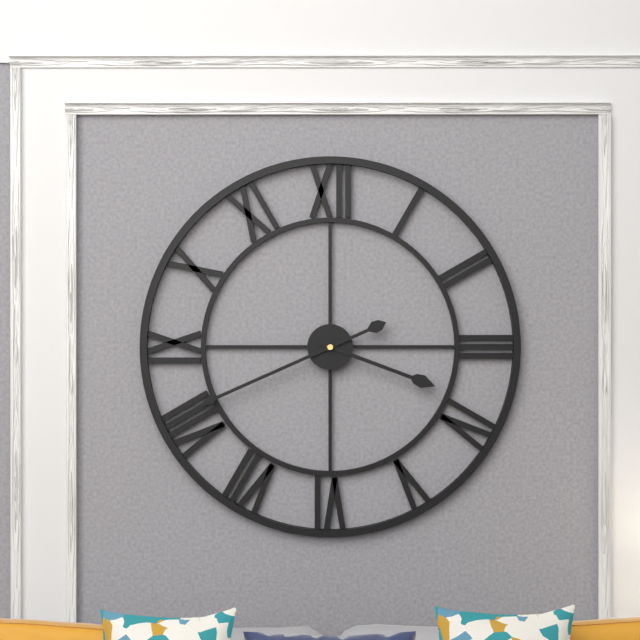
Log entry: 3:41
